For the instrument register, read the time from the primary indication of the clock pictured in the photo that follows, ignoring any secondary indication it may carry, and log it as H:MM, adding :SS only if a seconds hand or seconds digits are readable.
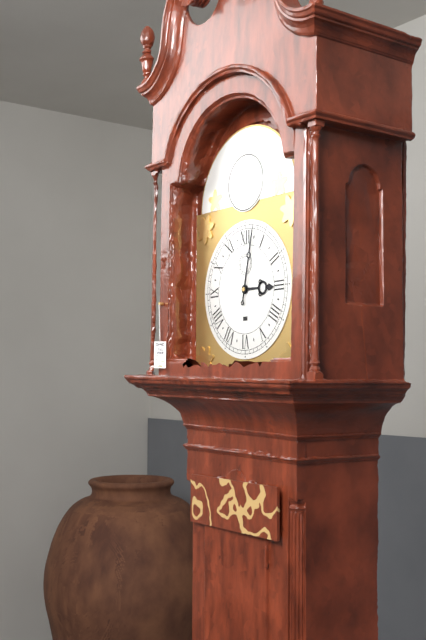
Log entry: 3:02
